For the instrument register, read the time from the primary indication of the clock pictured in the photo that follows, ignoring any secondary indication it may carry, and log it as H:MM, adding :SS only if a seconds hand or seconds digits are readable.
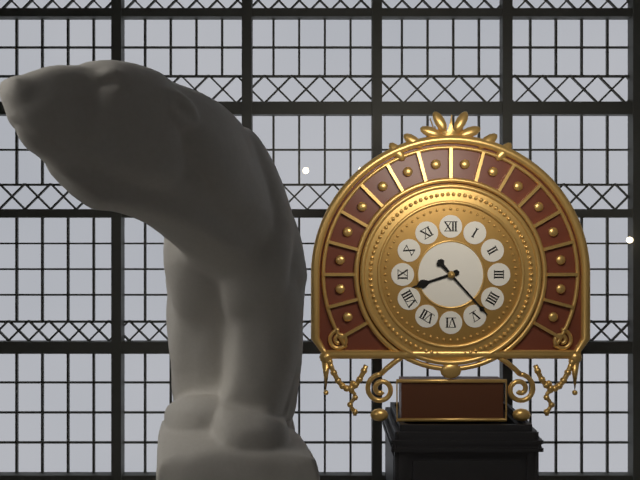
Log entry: 8:23
